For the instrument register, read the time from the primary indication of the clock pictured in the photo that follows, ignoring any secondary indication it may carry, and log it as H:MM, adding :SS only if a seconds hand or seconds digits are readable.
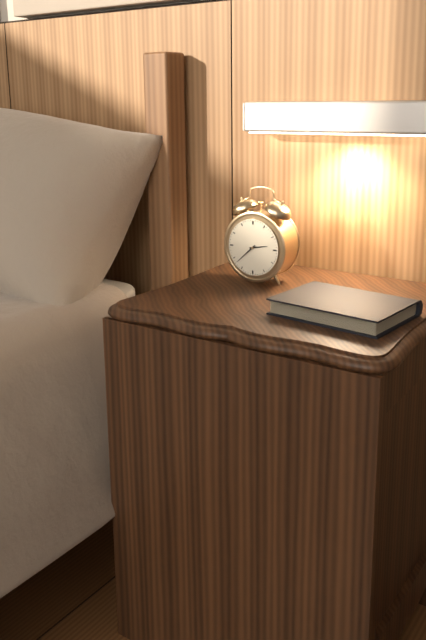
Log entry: 2:38
